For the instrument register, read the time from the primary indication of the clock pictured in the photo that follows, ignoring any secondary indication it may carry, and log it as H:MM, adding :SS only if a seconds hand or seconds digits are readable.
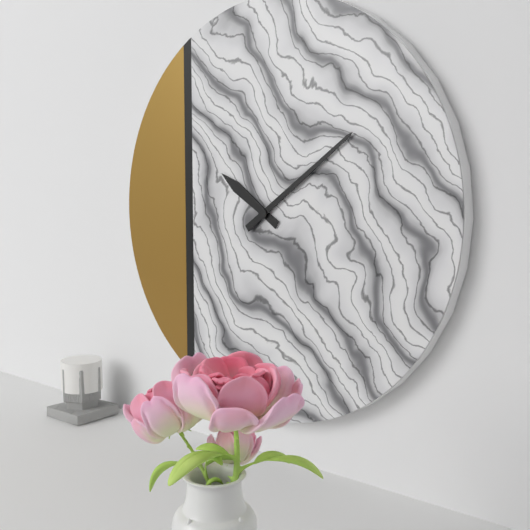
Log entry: 10:09
